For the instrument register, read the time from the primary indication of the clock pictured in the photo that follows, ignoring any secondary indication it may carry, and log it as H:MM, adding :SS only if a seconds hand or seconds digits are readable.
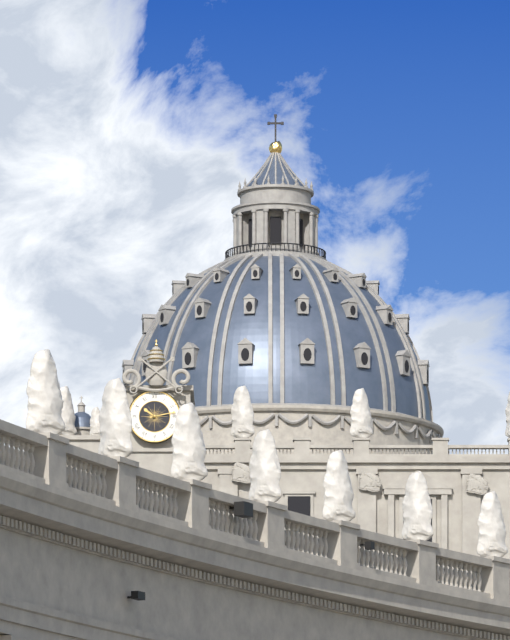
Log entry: 10:13
